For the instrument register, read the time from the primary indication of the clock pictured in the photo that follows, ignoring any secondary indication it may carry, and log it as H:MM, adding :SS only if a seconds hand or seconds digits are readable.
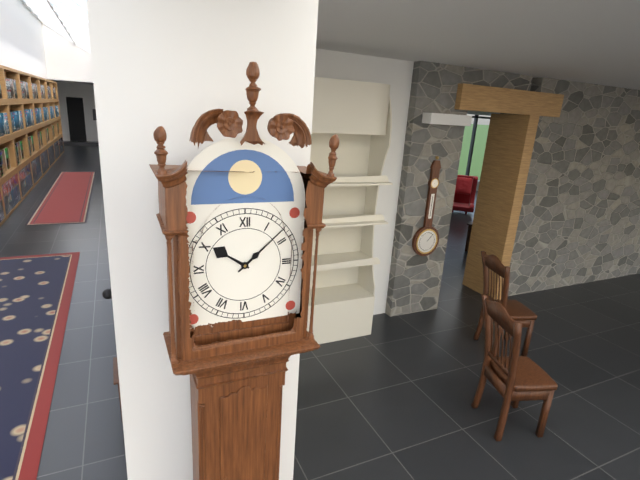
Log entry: 10:08
